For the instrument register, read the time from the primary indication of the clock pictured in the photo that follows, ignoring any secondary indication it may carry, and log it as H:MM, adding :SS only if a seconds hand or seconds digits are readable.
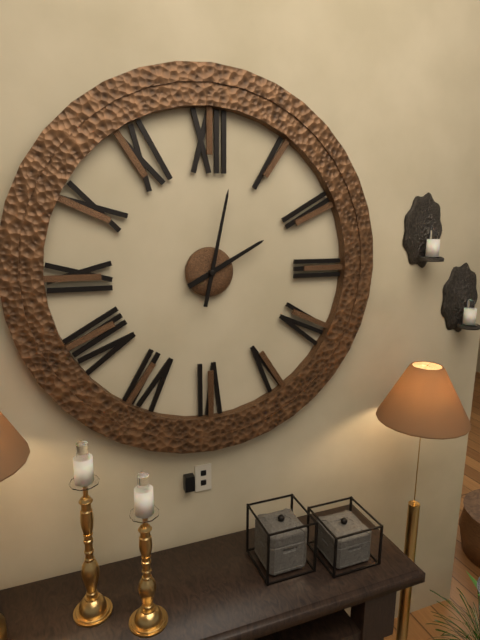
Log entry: 2:02
